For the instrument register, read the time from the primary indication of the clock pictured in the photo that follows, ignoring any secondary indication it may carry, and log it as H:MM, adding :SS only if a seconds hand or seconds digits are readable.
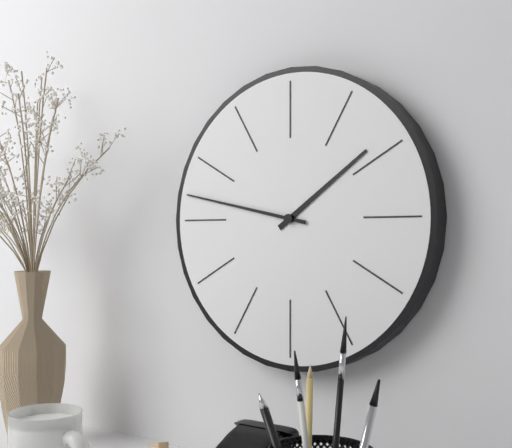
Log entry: 1:47
